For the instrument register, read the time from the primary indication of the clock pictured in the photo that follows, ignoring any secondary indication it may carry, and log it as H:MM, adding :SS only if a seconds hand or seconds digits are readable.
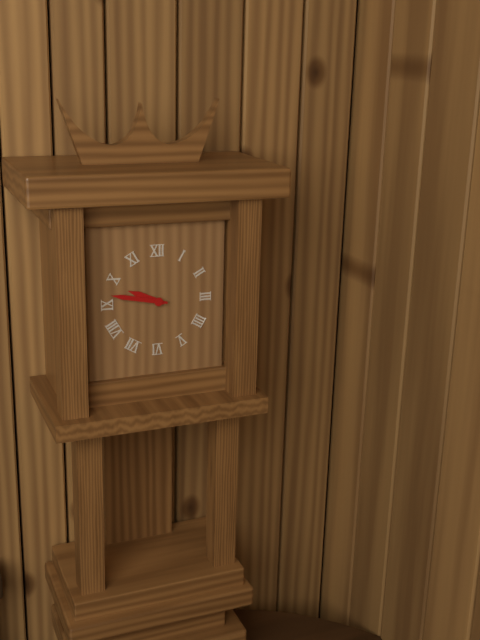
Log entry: 9:47
